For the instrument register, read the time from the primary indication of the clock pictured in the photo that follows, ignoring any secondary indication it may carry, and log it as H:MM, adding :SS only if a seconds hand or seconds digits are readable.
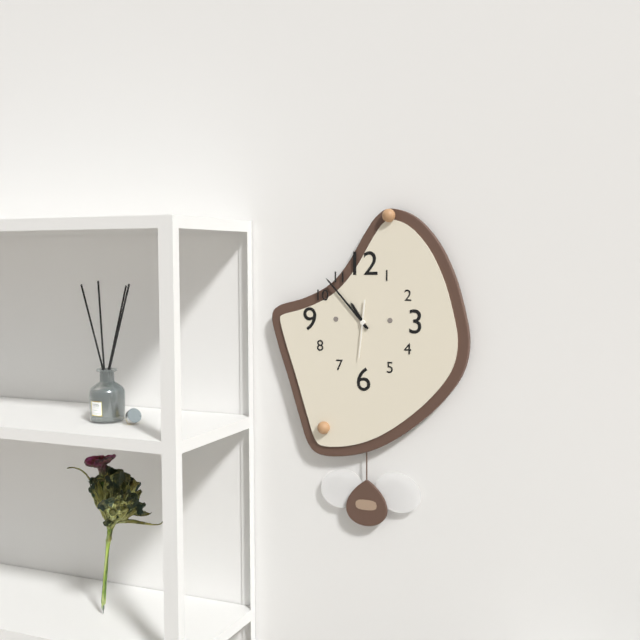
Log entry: 10:53
